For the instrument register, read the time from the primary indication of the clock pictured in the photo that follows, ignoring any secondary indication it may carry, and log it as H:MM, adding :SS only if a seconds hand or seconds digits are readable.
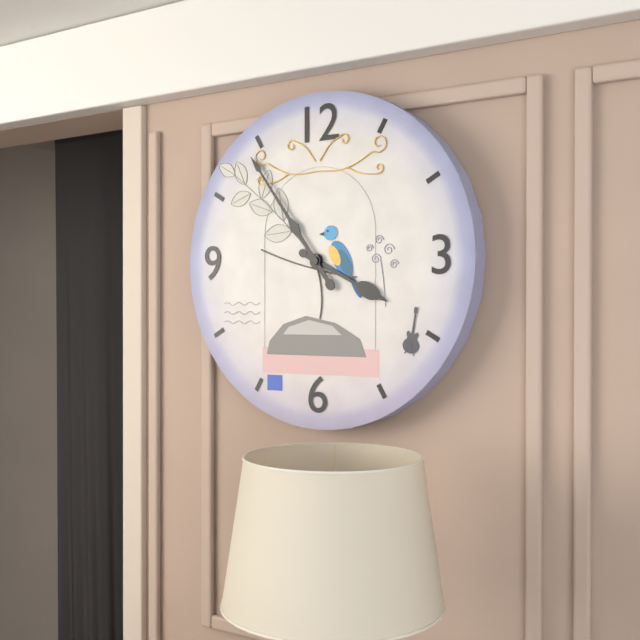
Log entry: 3:54
